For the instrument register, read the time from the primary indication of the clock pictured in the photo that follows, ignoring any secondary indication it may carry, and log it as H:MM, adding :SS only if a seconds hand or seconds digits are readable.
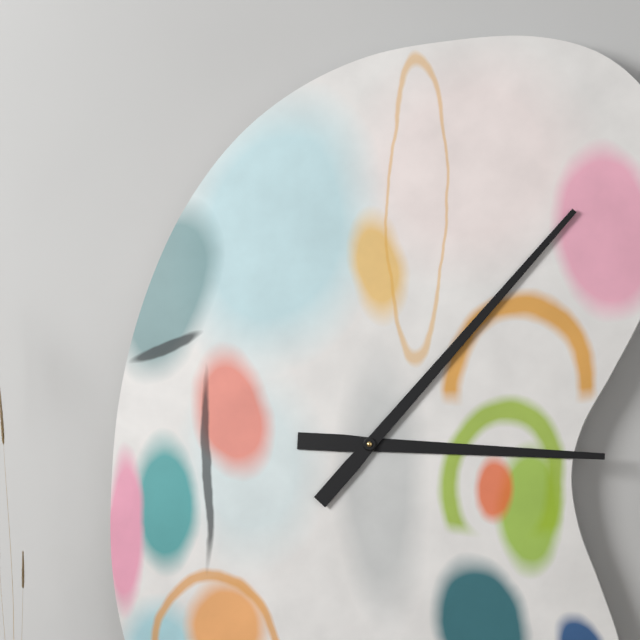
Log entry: 3:07
